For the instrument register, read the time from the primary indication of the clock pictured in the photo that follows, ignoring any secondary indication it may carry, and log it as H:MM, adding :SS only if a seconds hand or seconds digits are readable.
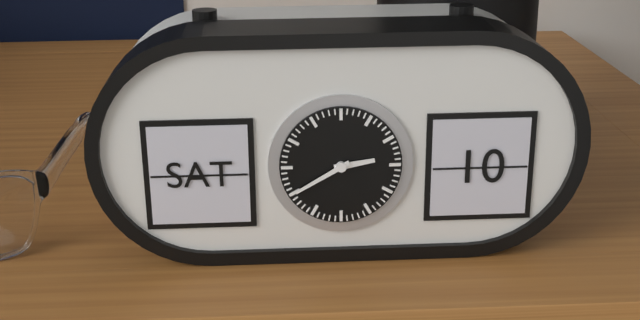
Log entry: 2:40
